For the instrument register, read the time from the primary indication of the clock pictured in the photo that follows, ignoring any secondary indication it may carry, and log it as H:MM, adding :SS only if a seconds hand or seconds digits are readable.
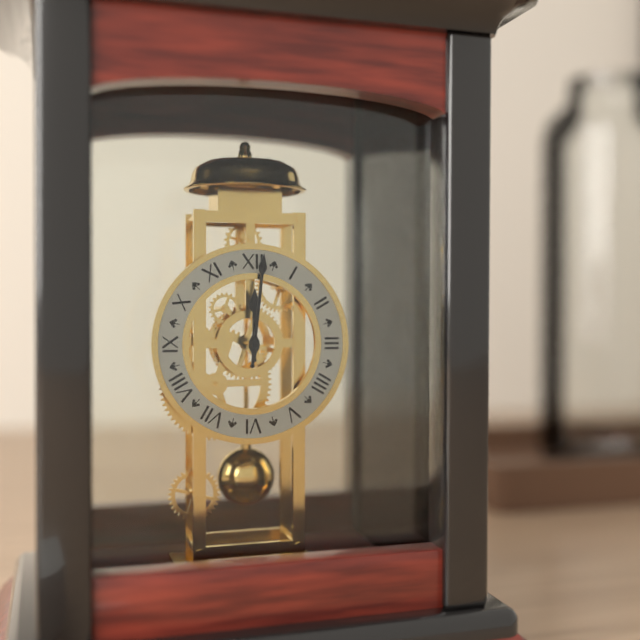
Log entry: 12:01
